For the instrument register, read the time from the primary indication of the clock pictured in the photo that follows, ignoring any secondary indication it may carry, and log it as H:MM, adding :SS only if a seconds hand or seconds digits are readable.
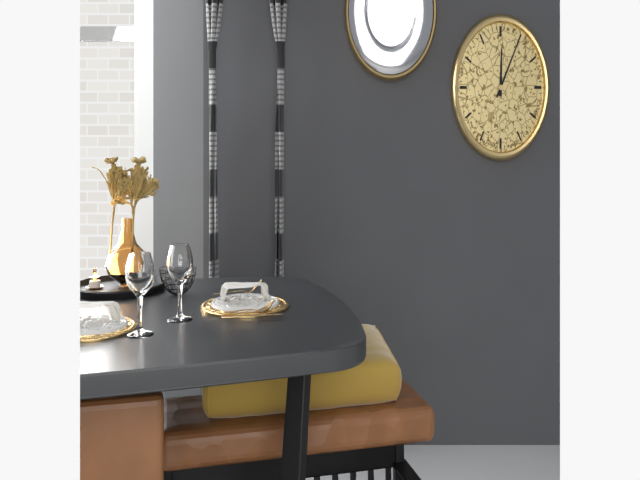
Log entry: 12:05
